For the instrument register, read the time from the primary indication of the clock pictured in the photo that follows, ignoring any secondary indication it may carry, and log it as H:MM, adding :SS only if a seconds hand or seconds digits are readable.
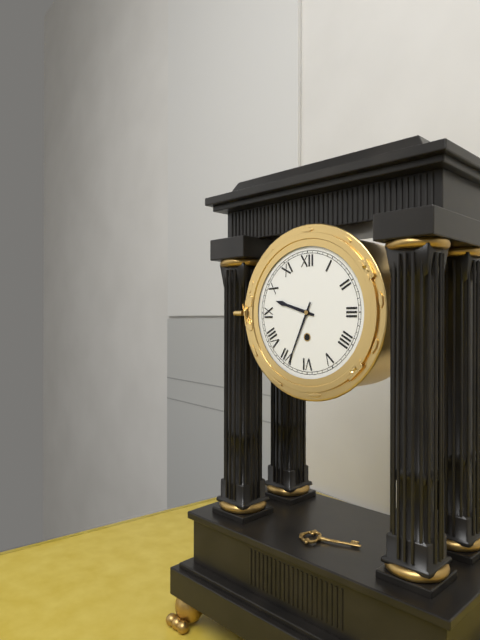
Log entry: 9:34
